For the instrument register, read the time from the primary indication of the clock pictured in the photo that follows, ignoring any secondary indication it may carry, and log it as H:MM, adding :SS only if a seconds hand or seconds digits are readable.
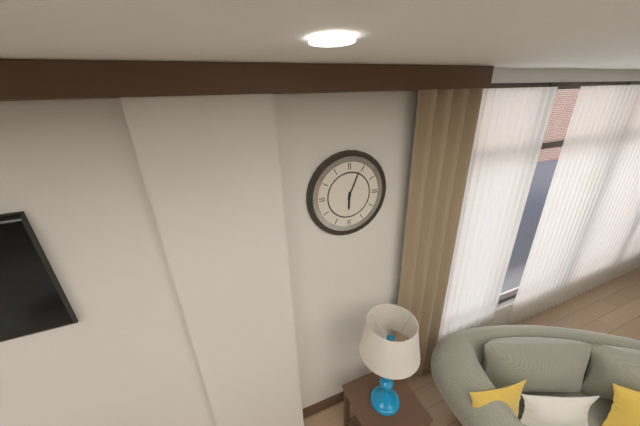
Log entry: 6:04
